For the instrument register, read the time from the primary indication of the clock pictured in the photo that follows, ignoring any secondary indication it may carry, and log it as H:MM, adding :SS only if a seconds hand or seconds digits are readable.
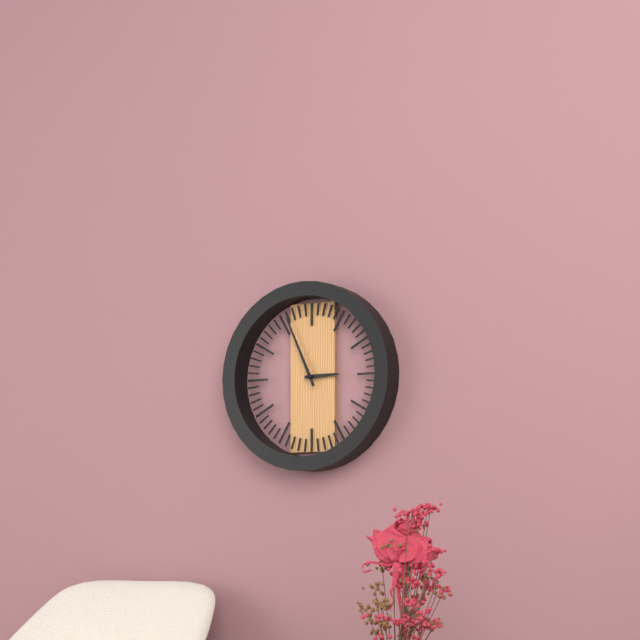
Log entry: 2:56
